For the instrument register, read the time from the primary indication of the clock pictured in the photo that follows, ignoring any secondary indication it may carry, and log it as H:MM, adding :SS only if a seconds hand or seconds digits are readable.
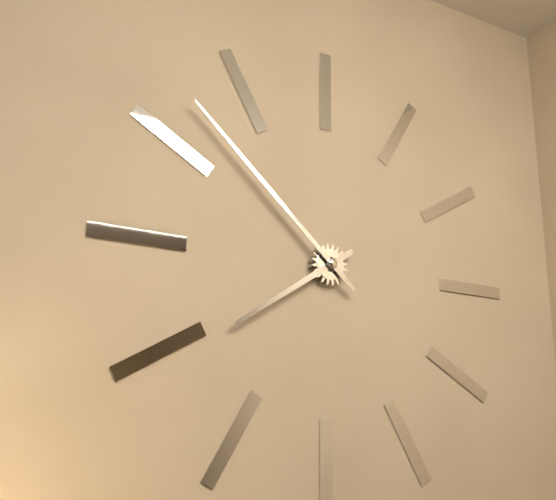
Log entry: 7:52
